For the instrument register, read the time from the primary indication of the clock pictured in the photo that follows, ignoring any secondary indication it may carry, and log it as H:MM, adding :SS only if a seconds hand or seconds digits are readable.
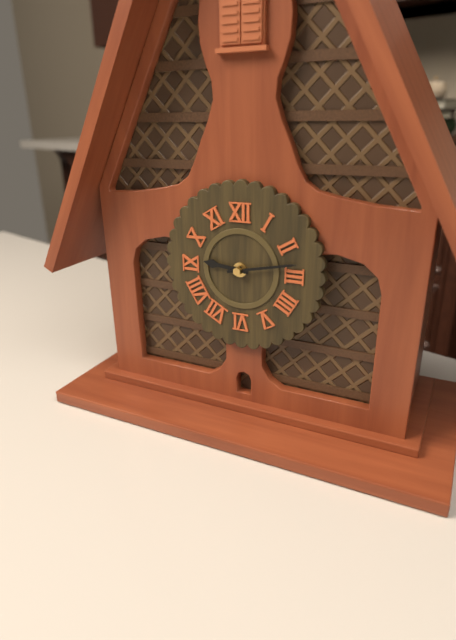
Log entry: 9:13
